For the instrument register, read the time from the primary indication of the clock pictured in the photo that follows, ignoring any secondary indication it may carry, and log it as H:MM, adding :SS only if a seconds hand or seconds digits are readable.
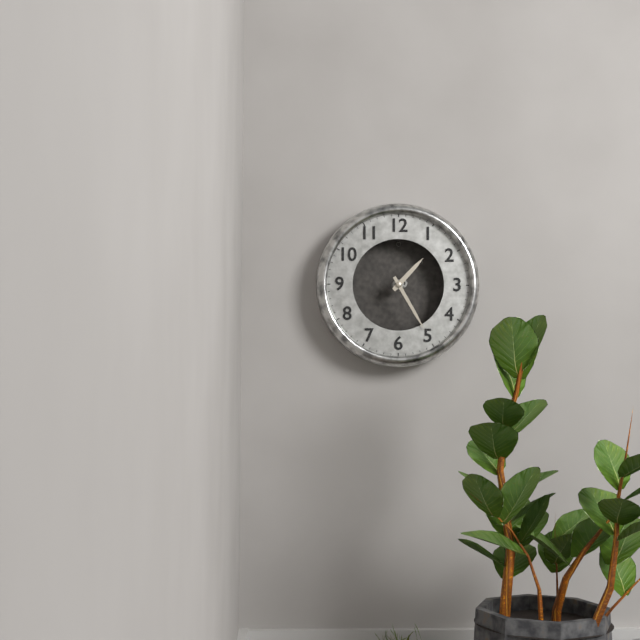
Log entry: 1:25
